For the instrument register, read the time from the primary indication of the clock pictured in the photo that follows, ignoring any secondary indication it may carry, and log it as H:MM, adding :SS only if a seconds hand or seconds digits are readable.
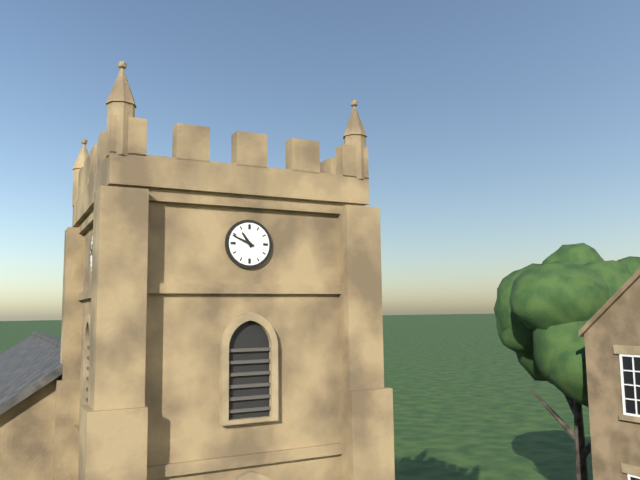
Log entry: 10:49
